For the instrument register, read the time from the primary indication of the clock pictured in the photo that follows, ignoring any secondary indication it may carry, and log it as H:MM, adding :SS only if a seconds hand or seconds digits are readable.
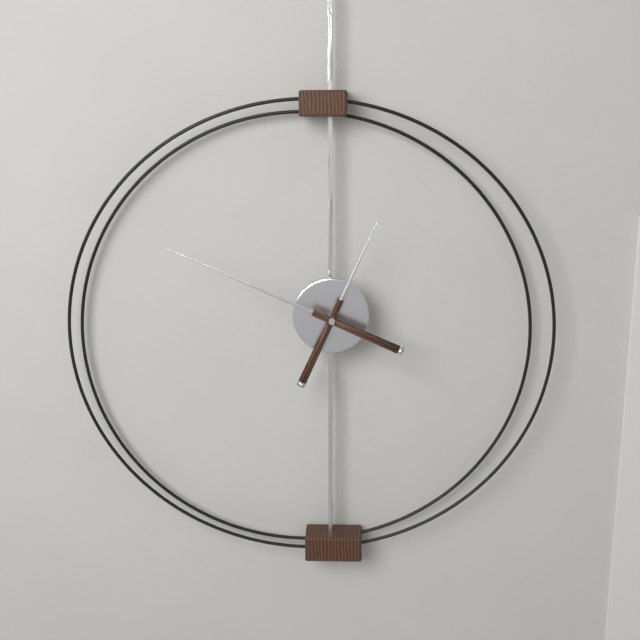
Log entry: 12:49
